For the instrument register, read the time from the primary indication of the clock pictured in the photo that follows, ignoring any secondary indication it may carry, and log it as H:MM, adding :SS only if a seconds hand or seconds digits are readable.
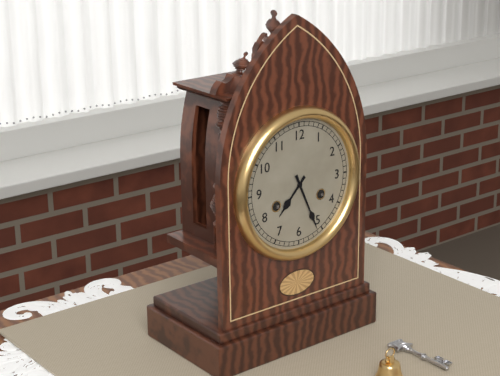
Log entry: 7:26
